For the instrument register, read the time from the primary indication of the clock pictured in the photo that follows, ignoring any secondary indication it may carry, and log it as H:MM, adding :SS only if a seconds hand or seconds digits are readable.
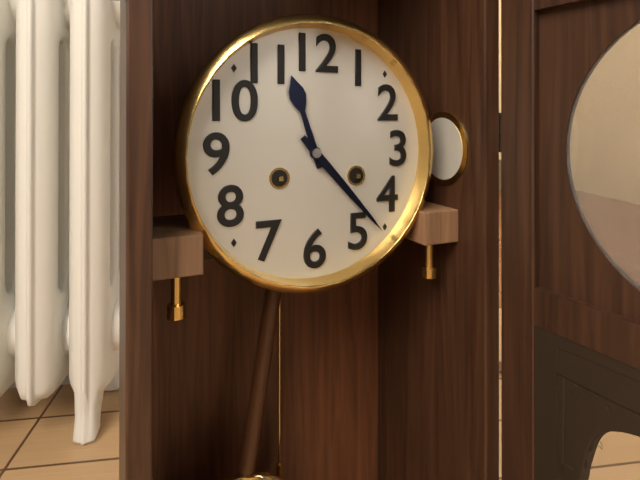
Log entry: 11:23
